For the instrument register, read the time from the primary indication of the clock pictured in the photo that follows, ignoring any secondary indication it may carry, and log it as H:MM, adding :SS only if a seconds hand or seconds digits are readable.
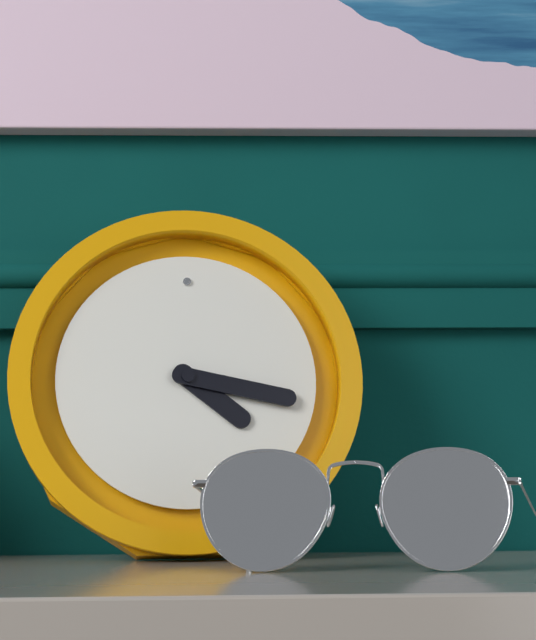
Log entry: 4:17
